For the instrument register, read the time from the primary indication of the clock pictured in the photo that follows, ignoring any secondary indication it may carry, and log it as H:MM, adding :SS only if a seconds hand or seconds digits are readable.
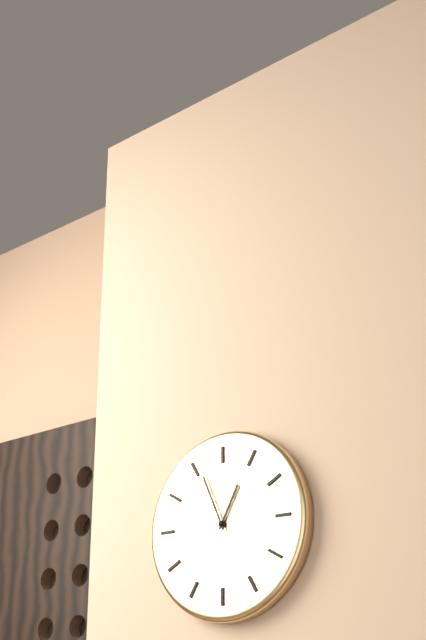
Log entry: 12:56
